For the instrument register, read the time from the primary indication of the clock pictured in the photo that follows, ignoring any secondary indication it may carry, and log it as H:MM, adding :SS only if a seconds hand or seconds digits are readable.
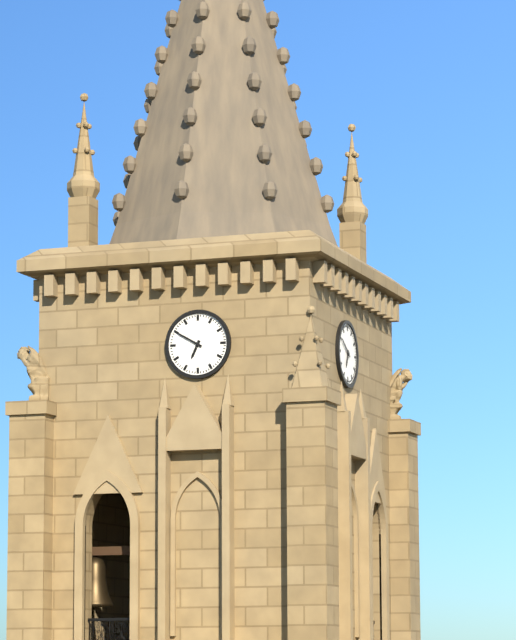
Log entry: 6:50
